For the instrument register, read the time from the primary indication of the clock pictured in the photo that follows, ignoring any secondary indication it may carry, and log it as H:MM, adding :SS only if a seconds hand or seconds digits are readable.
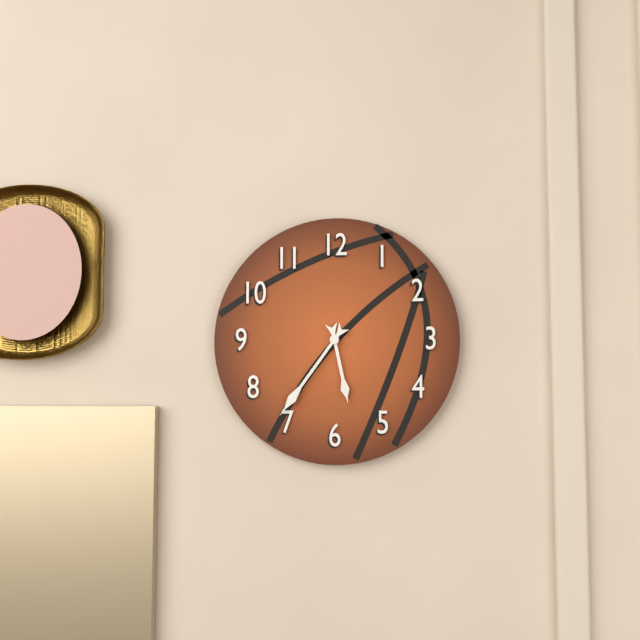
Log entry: 5:36
